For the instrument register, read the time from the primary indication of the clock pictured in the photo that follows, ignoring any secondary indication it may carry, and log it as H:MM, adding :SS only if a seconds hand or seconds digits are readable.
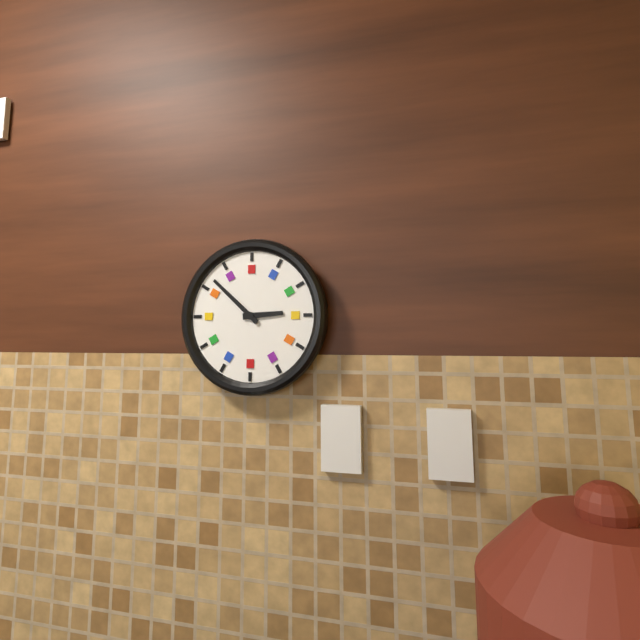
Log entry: 2:52
